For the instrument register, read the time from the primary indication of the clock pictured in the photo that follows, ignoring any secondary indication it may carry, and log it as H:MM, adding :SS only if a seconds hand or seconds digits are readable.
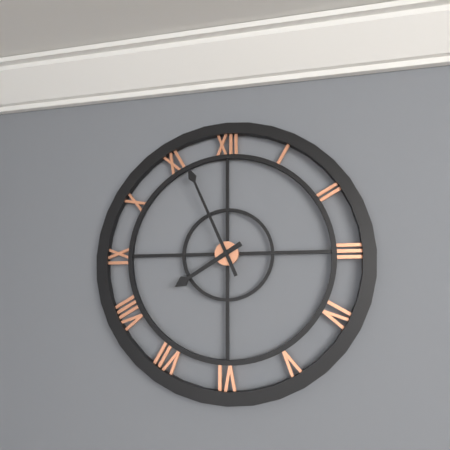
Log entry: 7:56
